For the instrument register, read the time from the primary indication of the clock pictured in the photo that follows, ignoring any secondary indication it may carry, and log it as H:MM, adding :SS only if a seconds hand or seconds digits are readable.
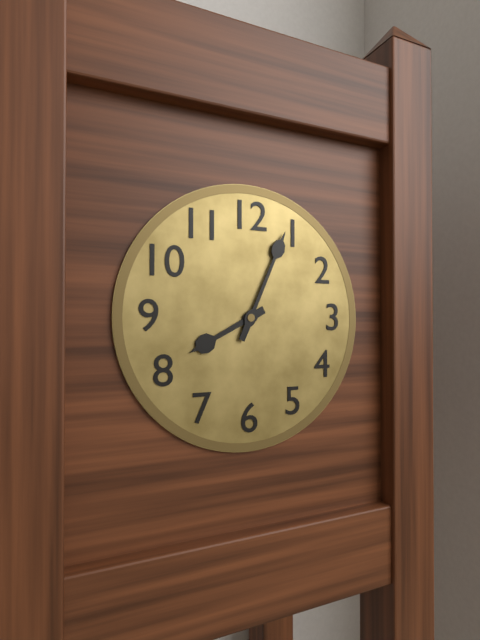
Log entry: 8:04
